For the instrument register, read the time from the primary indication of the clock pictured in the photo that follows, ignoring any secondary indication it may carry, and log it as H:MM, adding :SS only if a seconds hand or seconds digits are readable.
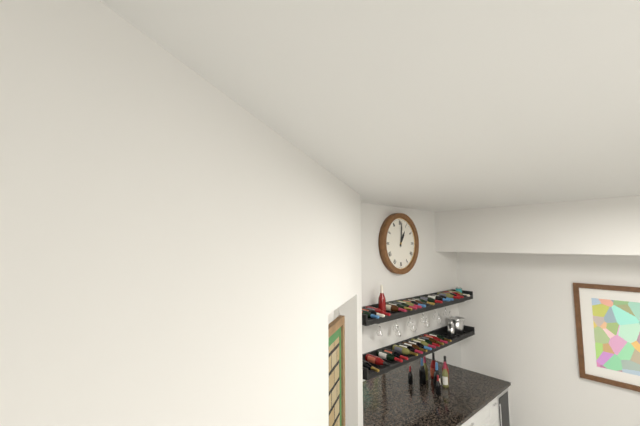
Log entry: 1:01
